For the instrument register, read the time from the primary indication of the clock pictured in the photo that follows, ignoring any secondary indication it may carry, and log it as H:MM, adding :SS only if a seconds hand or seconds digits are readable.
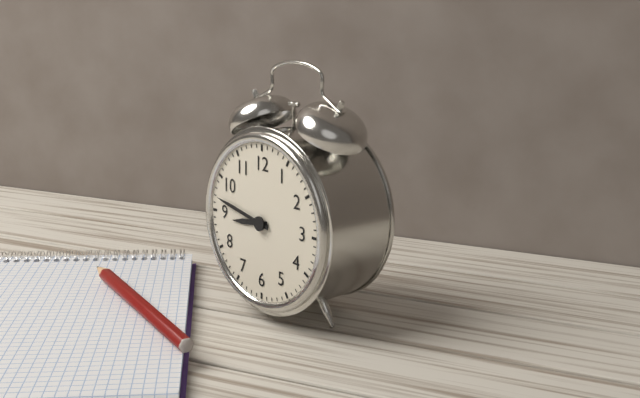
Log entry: 8:47
